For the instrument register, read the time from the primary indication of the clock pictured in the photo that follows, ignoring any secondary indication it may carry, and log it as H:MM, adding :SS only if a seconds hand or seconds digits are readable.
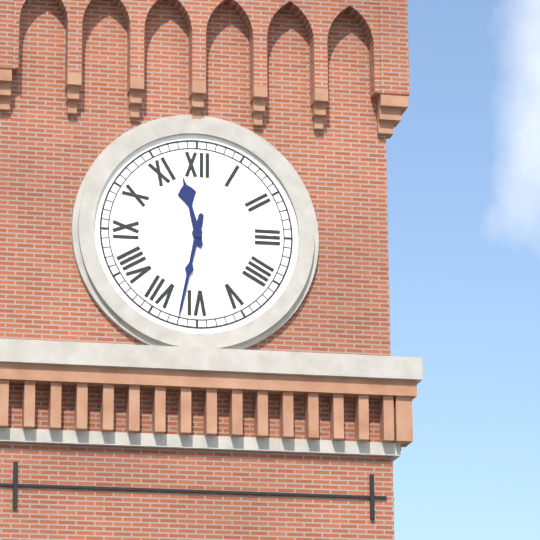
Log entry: 11:32
